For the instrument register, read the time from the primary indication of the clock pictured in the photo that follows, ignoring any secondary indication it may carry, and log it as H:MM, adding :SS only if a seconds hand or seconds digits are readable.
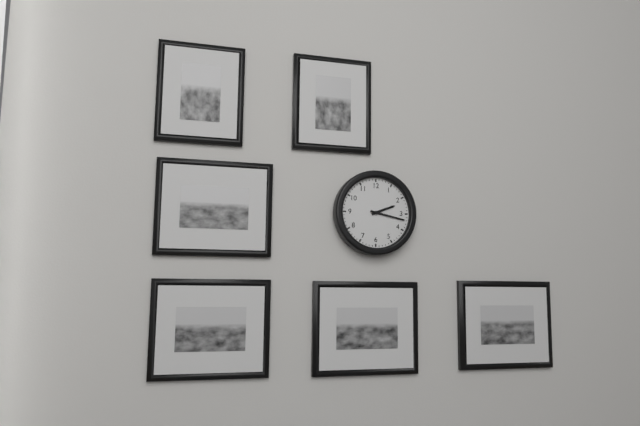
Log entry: 2:17
